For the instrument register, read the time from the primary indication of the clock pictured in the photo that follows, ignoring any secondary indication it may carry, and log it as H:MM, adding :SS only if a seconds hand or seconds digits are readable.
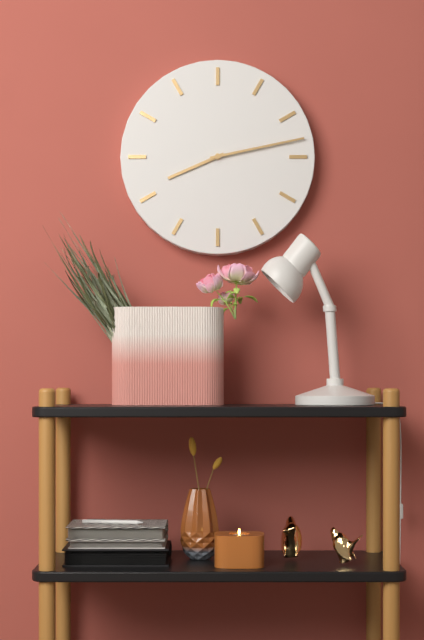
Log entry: 8:13
